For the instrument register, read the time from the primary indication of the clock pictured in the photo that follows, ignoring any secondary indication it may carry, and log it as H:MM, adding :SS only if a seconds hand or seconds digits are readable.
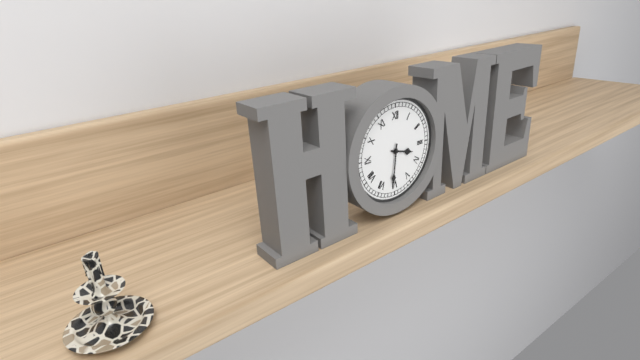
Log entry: 3:31
